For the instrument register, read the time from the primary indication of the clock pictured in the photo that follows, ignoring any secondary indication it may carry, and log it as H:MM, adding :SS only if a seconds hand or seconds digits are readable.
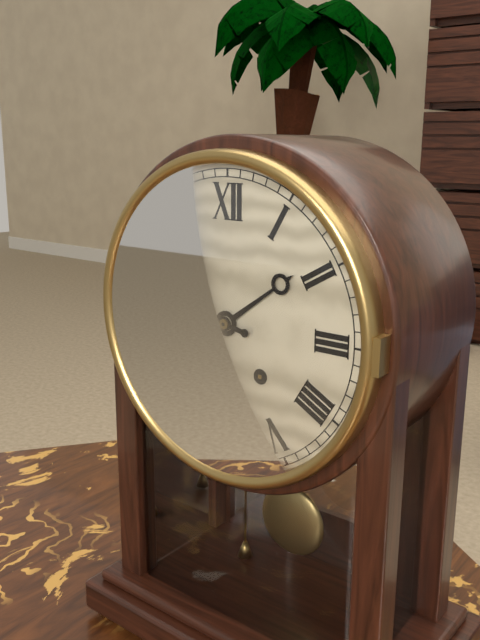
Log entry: 1:47
